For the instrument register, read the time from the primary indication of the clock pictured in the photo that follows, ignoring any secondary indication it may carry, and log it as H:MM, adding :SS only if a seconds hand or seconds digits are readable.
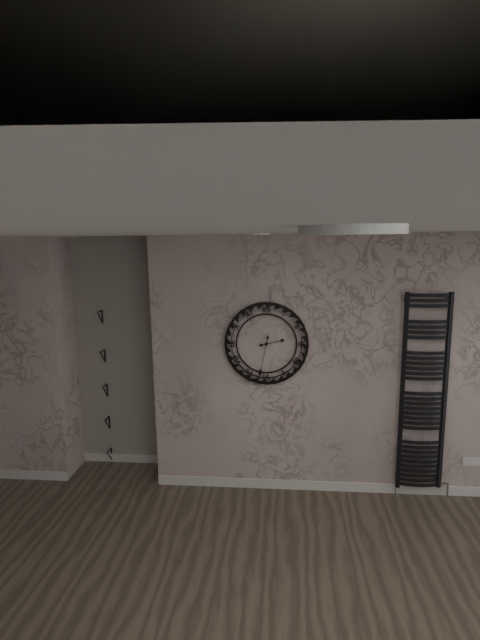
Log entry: 2:32
